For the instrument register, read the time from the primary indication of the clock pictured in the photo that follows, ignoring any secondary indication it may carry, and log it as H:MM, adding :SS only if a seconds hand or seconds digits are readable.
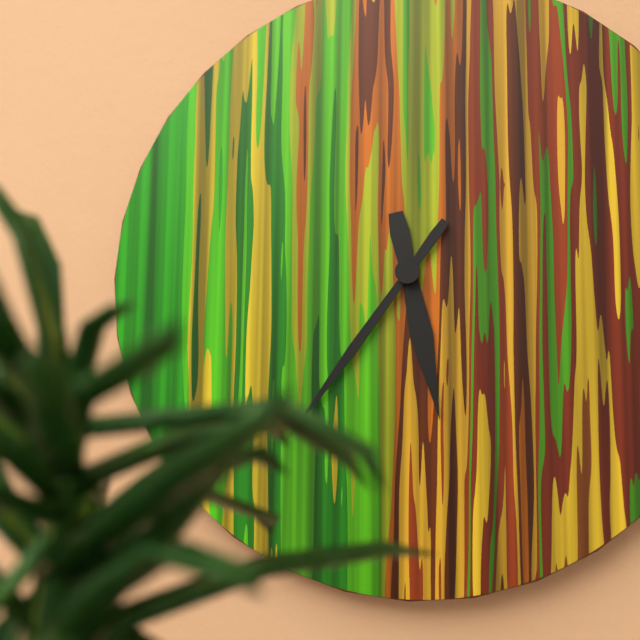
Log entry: 5:36
